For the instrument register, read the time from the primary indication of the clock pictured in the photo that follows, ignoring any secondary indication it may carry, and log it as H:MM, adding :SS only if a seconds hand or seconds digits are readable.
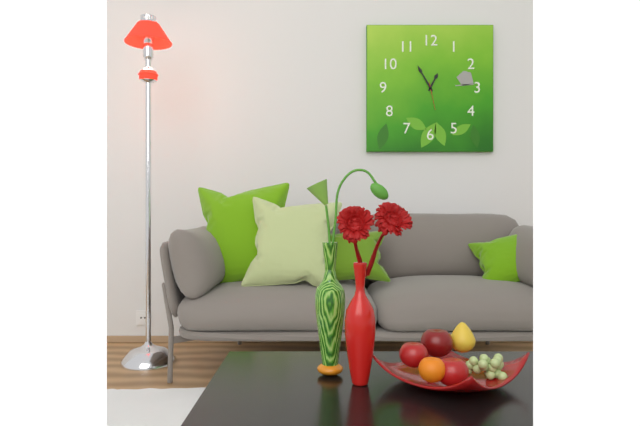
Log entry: 12:55
